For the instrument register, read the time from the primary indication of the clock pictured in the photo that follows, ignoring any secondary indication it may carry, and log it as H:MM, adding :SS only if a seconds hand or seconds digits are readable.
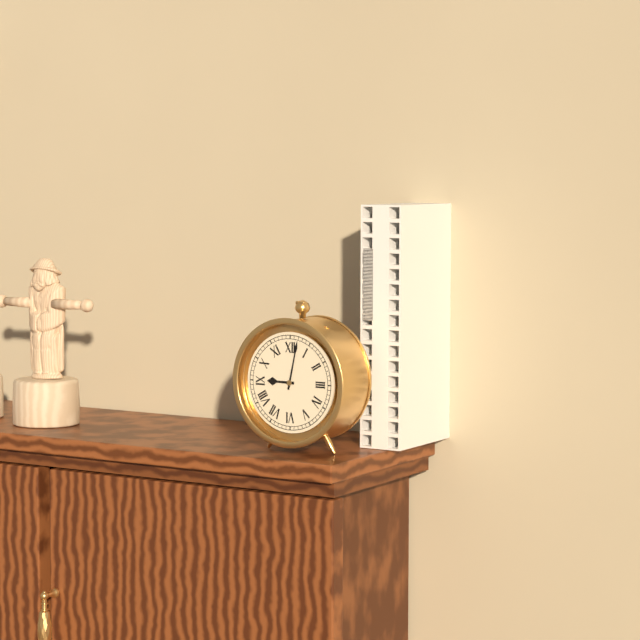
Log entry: 9:02
